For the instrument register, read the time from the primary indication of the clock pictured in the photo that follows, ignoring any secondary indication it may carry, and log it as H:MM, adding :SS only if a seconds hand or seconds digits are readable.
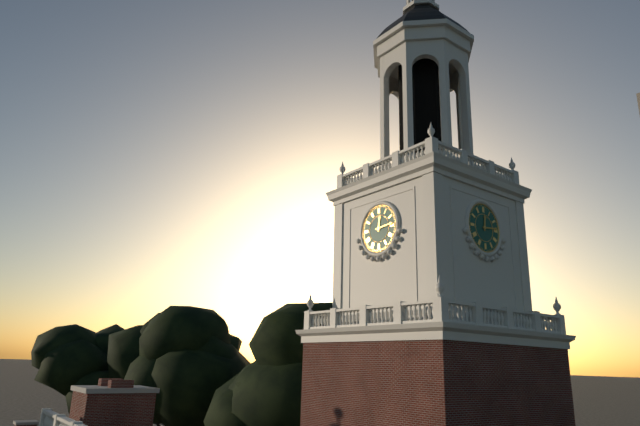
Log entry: 12:14
